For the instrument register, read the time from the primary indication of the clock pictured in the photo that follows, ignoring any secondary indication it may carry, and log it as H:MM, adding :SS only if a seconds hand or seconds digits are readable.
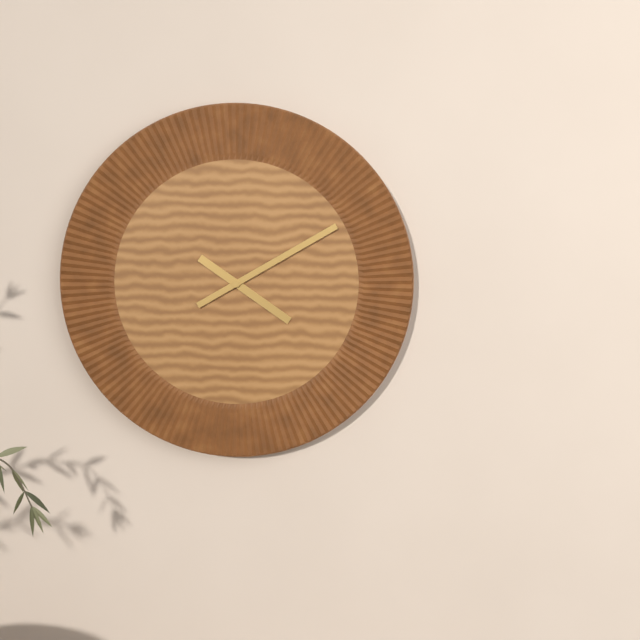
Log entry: 4:10
